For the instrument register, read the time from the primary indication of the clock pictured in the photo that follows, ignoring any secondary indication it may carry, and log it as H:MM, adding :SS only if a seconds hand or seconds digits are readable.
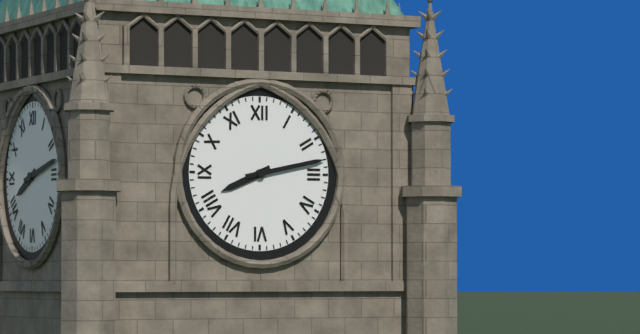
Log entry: 8:13
